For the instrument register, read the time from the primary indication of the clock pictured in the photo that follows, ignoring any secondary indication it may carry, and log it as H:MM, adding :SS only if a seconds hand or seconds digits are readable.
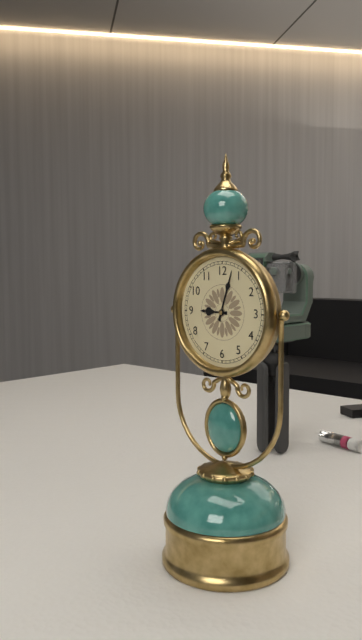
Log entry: 9:03
